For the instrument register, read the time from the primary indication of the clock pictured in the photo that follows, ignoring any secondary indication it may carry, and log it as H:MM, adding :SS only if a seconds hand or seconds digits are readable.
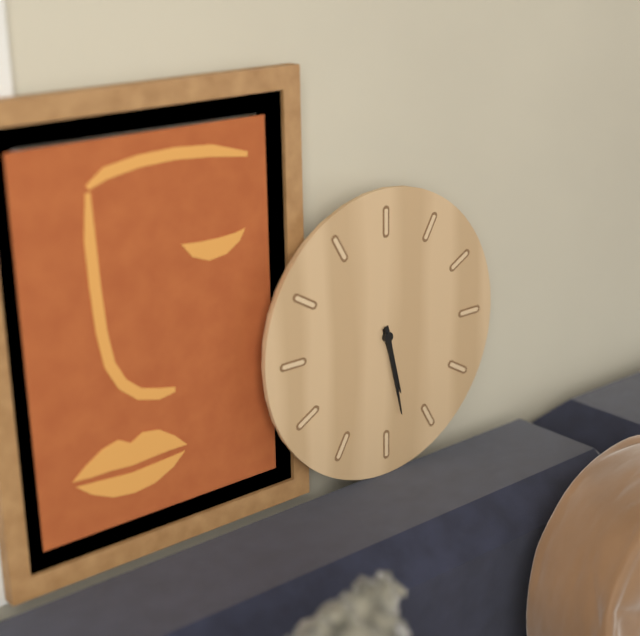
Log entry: 5:28
